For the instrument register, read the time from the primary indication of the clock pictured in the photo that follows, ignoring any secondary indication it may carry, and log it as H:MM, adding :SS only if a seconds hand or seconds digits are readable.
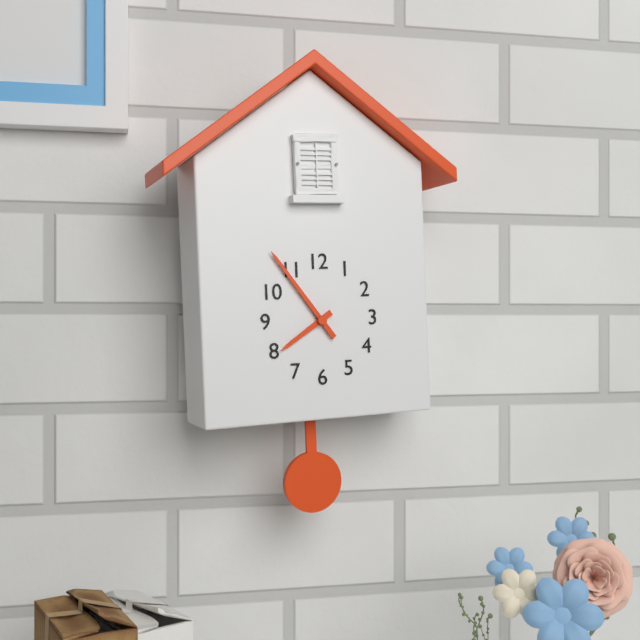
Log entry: 7:54
